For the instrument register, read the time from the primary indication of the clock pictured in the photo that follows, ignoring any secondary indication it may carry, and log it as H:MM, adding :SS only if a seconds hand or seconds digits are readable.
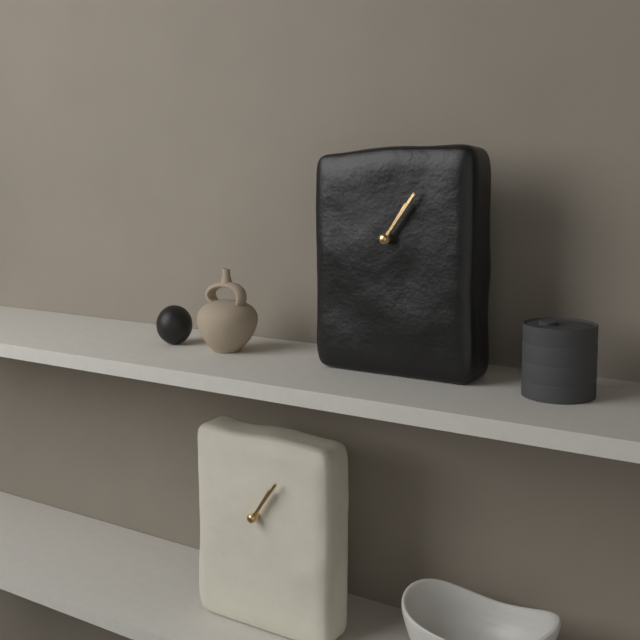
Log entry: 1:06
